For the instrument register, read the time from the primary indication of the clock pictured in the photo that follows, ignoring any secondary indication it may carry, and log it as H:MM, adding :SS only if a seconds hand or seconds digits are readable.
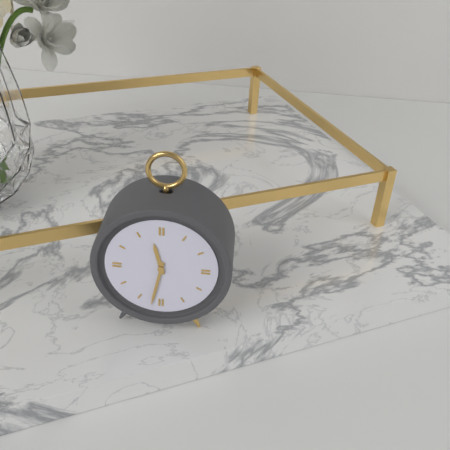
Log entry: 11:32
